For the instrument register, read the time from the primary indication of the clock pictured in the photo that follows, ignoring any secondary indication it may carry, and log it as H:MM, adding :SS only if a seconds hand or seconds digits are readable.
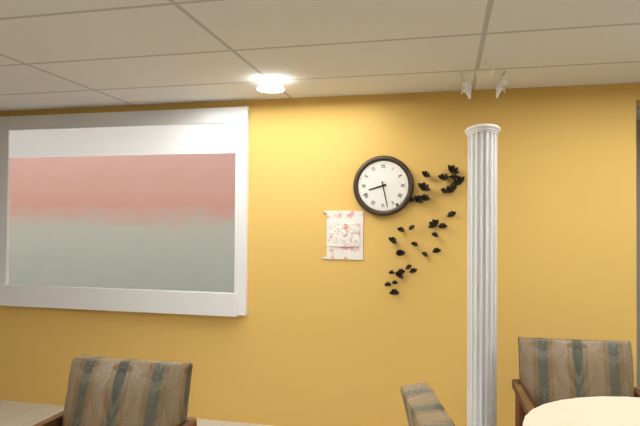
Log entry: 8:28
